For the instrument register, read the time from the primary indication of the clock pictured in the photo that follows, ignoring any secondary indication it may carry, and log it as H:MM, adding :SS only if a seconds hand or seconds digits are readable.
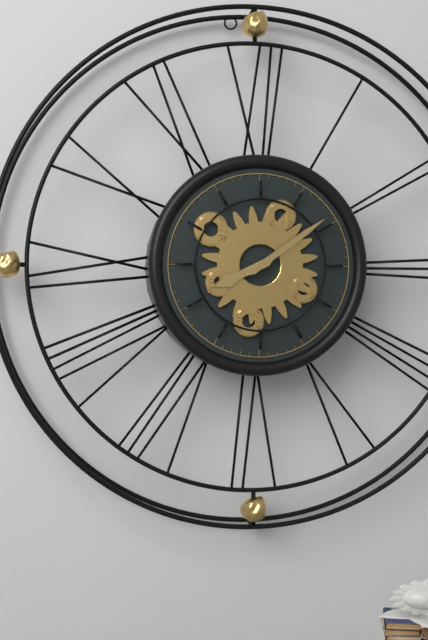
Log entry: 8:09
